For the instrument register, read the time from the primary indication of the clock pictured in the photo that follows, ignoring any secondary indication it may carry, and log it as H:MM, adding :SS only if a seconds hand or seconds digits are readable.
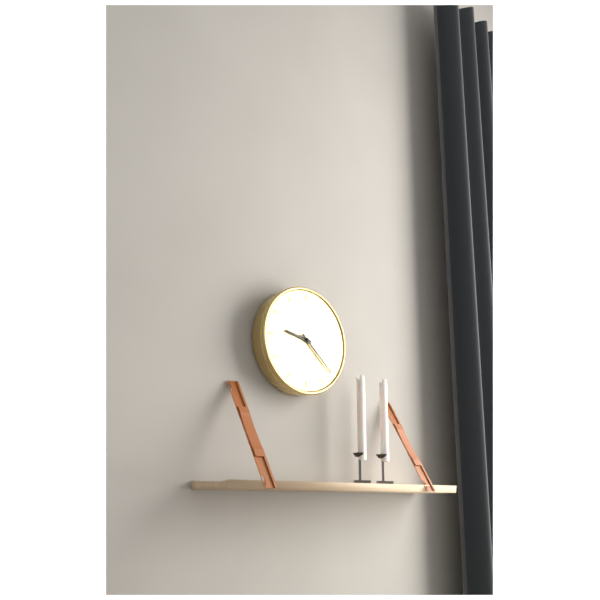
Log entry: 9:22
